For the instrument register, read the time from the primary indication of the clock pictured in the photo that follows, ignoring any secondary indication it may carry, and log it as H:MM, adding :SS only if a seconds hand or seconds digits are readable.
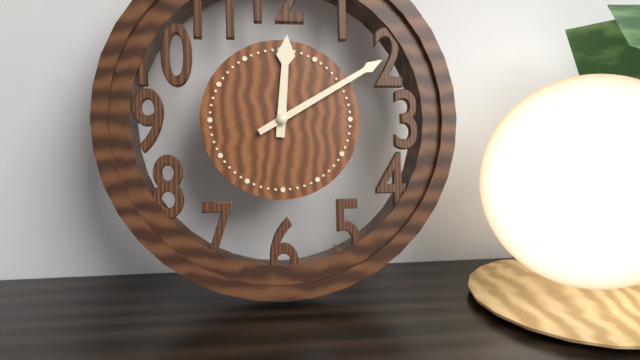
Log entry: 12:10
